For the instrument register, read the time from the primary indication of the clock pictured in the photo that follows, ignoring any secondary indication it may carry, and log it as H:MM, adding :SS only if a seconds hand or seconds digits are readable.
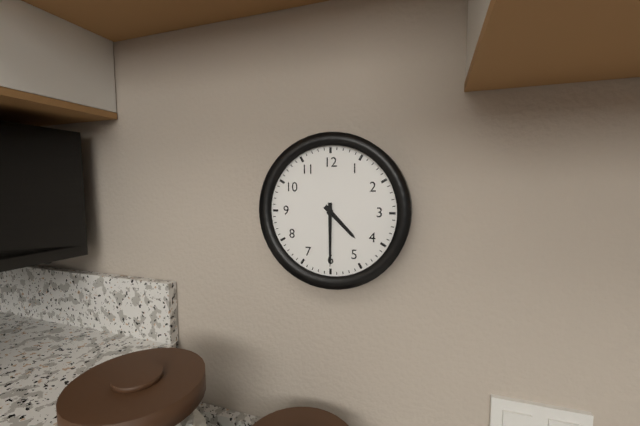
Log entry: 4:30
